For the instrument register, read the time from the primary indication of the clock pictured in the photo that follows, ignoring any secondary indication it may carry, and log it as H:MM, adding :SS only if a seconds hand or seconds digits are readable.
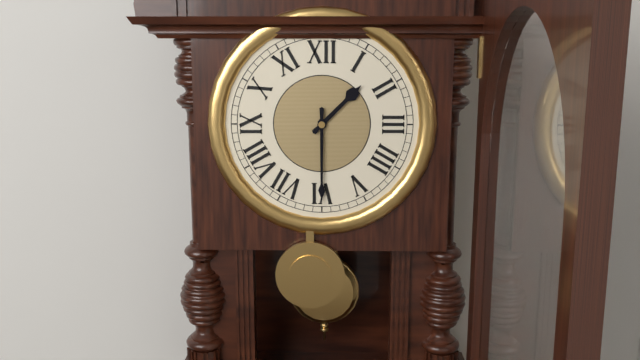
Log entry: 1:30
